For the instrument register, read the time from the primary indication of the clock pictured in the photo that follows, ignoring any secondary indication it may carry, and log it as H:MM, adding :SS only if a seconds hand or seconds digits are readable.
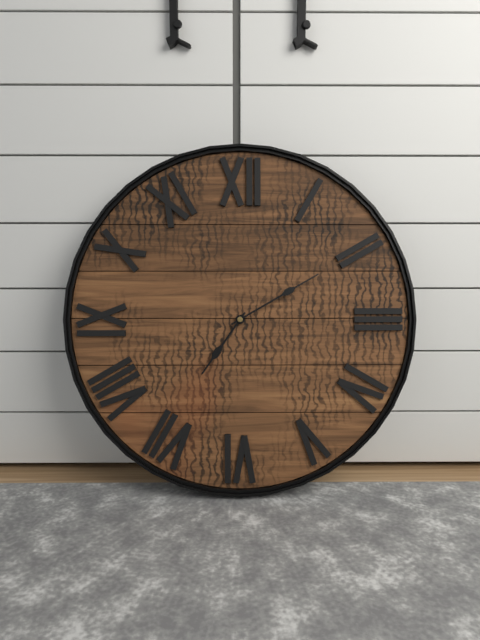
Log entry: 7:10
